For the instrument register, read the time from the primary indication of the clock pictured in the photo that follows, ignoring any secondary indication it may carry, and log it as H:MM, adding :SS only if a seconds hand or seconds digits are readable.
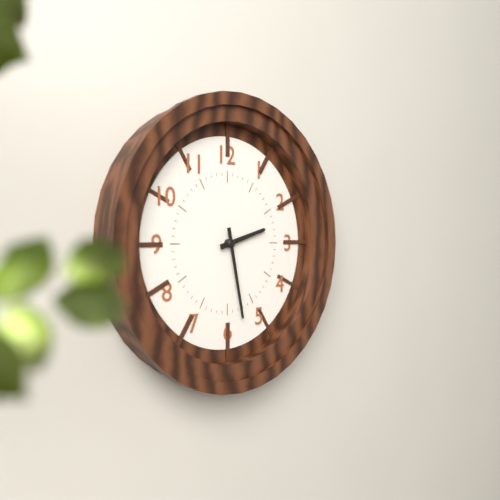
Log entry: 2:28
